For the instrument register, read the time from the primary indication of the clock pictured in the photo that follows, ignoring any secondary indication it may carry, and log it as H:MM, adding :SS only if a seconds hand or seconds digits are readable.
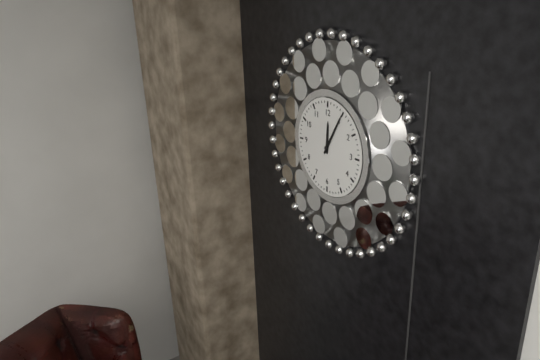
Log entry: 12:05
